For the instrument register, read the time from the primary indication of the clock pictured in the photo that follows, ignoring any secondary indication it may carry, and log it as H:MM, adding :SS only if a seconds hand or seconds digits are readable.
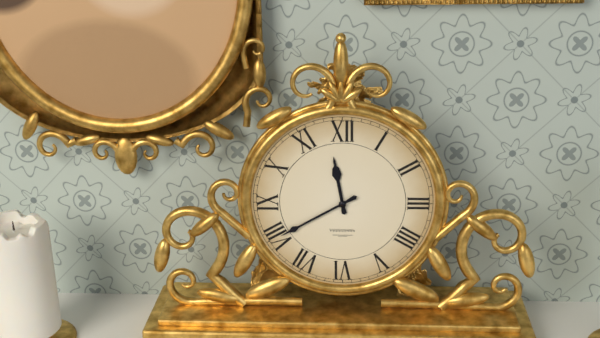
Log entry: 11:40
